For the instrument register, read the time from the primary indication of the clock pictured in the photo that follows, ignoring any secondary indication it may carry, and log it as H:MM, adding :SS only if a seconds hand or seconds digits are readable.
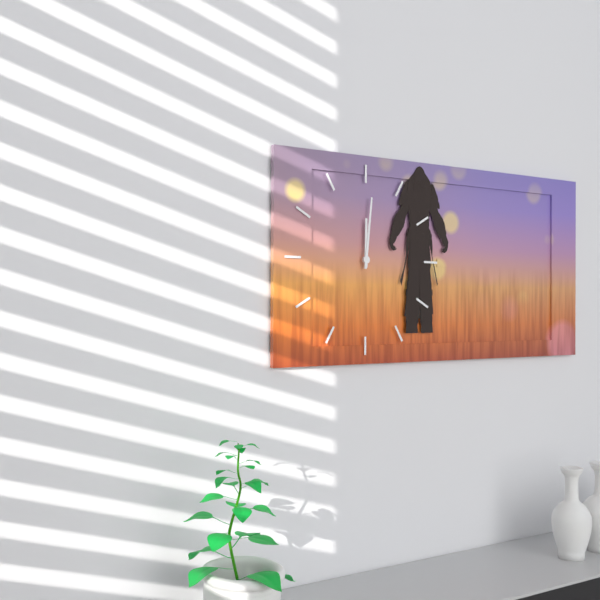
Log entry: 12:01
